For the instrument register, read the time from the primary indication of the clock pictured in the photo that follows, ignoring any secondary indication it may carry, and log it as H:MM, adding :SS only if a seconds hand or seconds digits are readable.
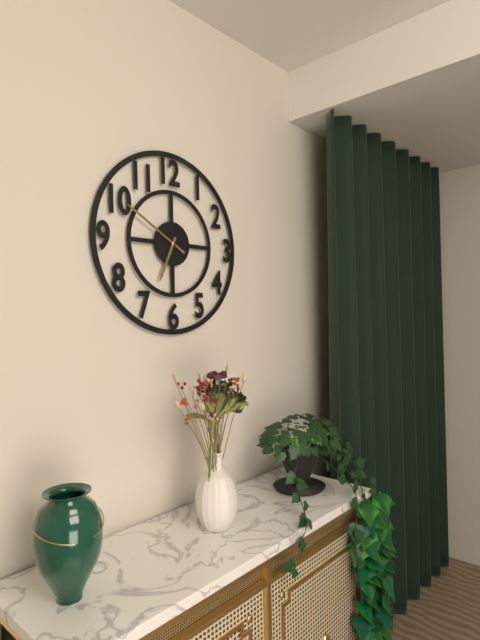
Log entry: 6:50
